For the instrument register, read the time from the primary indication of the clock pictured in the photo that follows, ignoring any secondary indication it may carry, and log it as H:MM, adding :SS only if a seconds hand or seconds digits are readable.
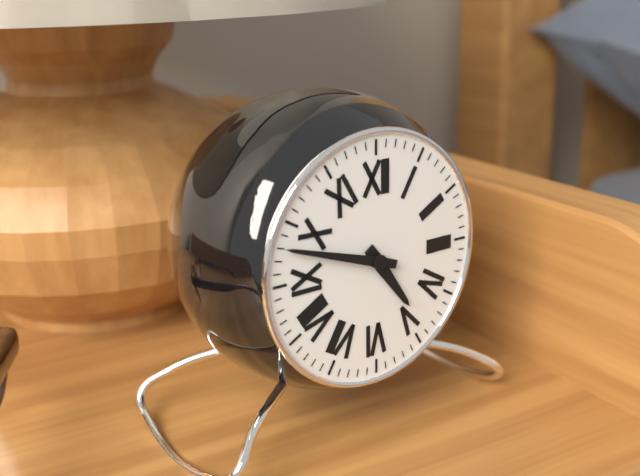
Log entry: 4:48
